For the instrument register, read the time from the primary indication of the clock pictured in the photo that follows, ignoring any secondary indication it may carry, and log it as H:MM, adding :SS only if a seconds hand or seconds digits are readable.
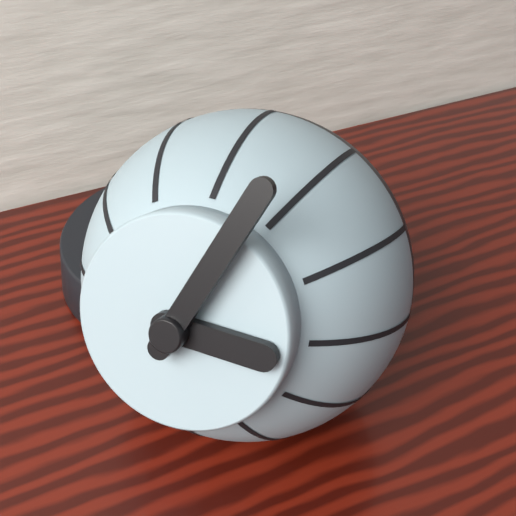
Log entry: 3:04
